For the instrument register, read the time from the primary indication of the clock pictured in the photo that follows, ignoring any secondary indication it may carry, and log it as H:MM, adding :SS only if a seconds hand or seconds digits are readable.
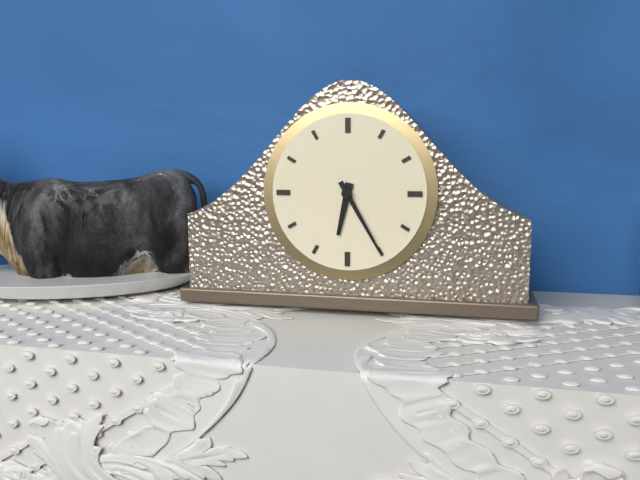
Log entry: 6:25
